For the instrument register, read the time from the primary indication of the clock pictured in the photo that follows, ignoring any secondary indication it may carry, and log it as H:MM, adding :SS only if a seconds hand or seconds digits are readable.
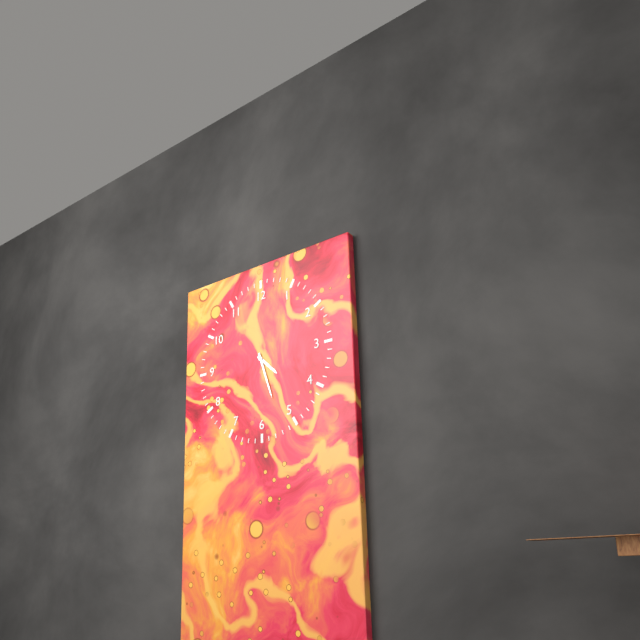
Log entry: 4:27
